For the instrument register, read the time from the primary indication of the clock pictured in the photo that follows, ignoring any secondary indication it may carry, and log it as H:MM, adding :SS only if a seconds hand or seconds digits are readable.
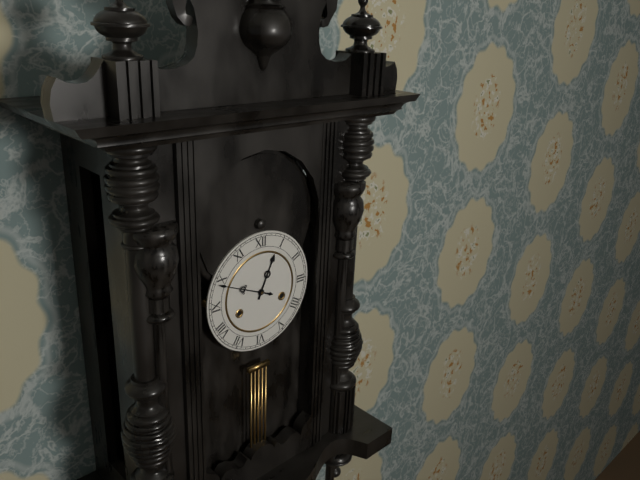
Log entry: 12:49
